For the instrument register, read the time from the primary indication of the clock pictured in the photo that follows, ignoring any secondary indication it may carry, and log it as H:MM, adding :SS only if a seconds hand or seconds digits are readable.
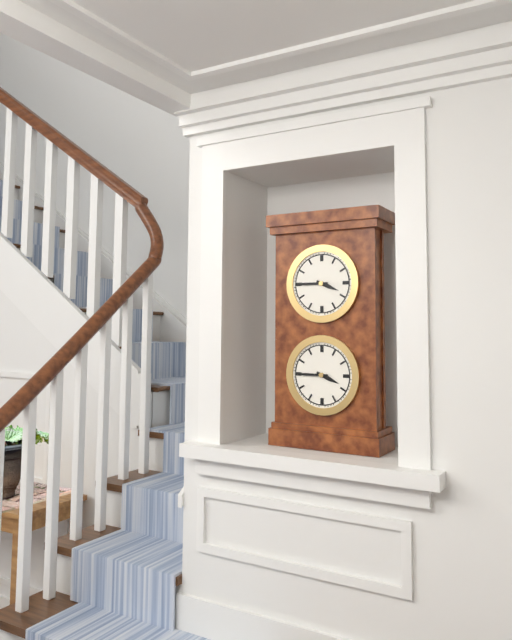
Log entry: 3:45
